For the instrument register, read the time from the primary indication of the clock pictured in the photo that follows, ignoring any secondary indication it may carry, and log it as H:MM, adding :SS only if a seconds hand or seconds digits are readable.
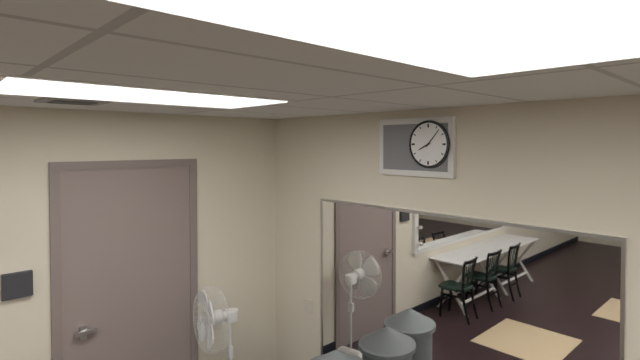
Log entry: 8:07
